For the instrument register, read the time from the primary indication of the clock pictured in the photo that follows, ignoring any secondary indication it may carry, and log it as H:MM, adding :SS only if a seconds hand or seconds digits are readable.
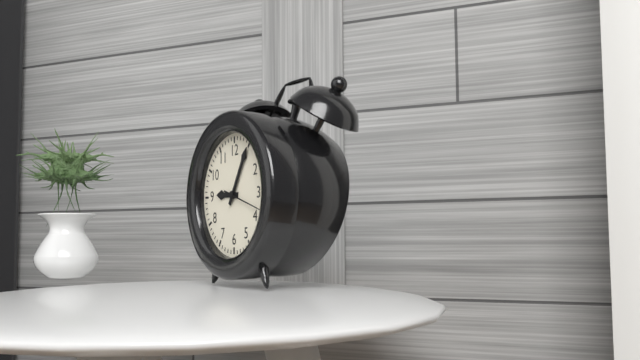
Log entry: 9:05
